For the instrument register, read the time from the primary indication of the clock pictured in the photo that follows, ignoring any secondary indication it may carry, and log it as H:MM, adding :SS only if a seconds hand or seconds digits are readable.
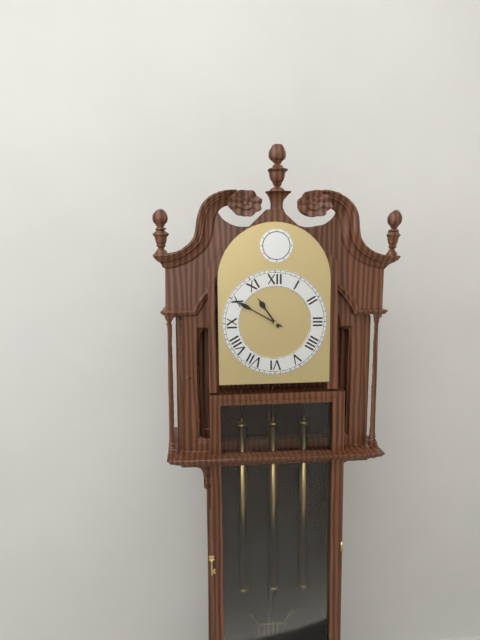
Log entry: 10:50
